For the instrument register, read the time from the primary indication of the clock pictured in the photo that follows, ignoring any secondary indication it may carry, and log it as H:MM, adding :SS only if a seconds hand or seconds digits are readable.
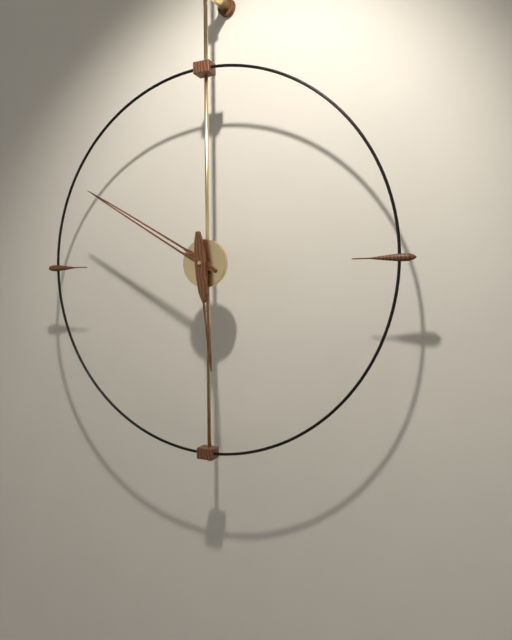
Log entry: 5:50
